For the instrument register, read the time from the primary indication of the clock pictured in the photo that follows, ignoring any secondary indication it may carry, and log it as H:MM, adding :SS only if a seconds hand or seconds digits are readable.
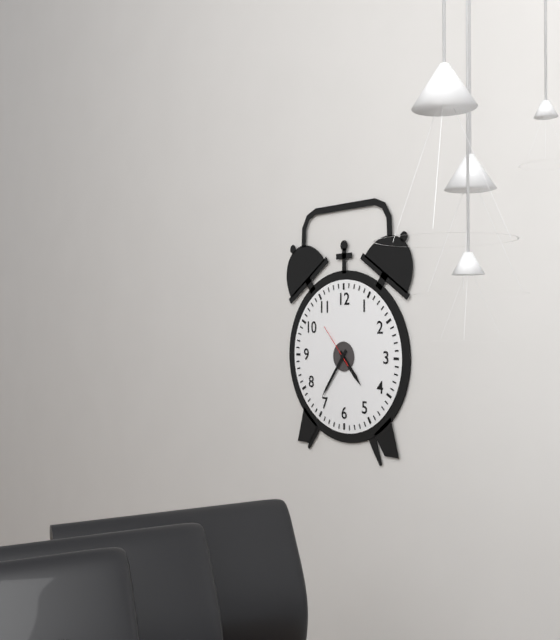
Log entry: 4:36
